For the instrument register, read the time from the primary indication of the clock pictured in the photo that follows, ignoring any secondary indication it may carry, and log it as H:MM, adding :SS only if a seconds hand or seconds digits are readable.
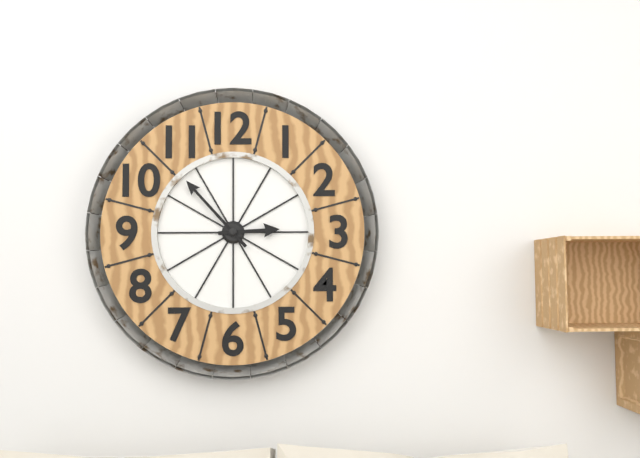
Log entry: 2:53
